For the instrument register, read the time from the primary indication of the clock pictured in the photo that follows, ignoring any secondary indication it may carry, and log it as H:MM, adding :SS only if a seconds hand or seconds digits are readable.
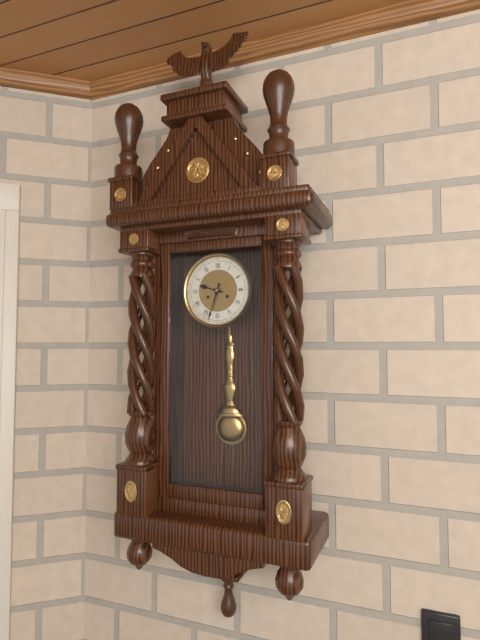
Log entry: 9:33
